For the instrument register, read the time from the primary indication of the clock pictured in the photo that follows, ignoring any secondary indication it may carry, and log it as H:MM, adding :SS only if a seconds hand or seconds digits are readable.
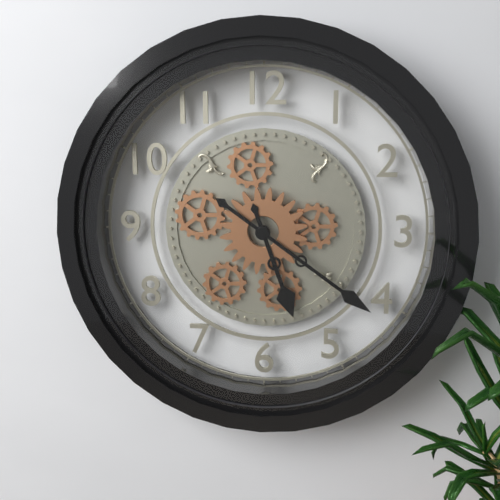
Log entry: 5:21
